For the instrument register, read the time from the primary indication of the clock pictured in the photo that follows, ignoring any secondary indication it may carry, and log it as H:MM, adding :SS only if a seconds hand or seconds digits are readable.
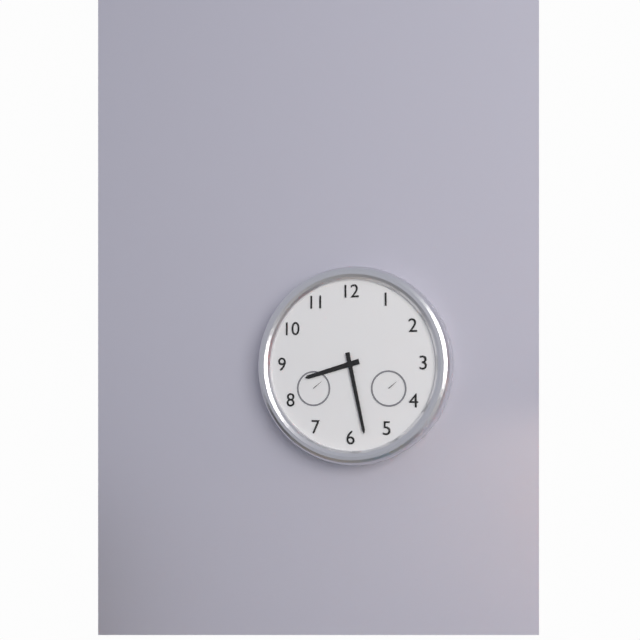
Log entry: 8:28
